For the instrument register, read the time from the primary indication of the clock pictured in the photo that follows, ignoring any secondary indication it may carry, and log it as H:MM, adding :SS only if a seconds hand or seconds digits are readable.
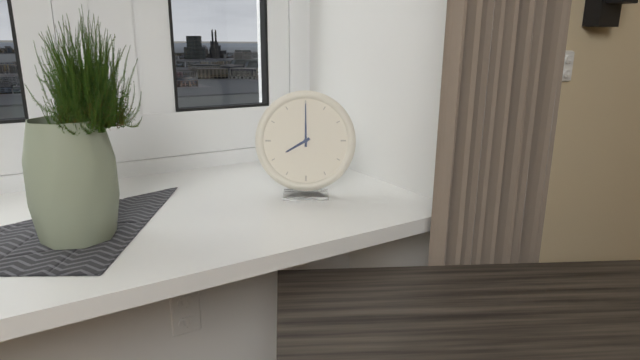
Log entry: 8:00
